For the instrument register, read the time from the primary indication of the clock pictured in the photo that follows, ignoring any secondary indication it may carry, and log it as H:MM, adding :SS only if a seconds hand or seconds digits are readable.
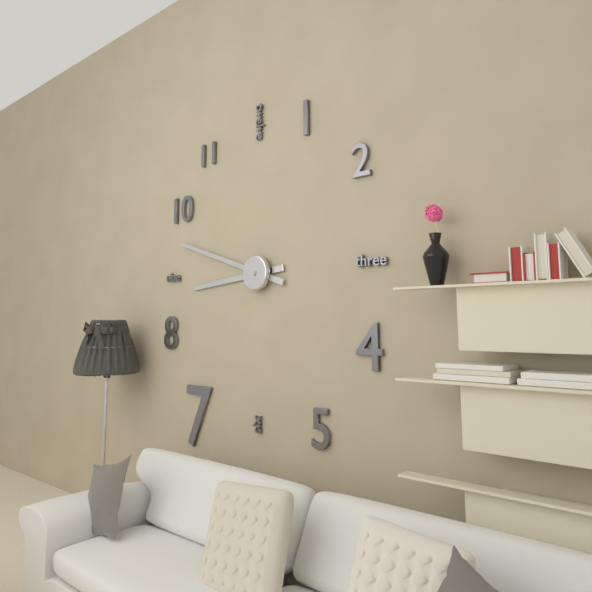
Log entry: 8:48
